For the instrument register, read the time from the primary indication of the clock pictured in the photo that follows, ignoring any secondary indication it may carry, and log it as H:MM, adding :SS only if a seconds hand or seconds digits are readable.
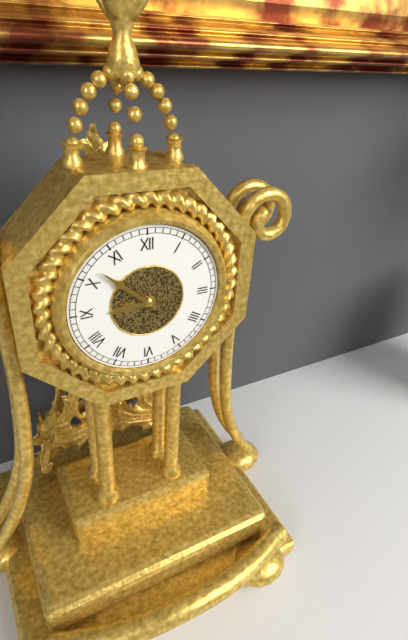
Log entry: 8:52
